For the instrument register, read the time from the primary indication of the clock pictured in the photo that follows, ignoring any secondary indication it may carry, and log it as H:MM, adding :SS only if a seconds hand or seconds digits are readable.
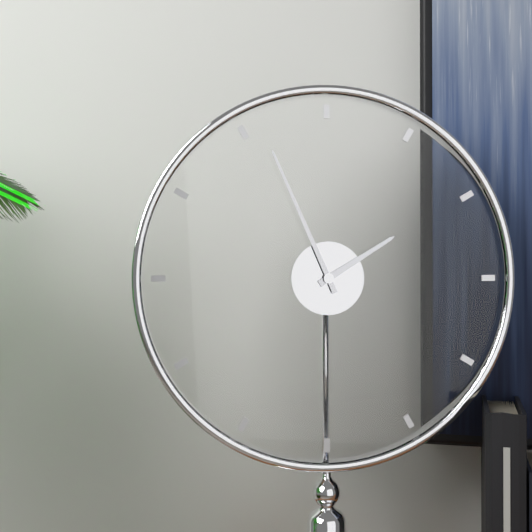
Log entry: 1:56
